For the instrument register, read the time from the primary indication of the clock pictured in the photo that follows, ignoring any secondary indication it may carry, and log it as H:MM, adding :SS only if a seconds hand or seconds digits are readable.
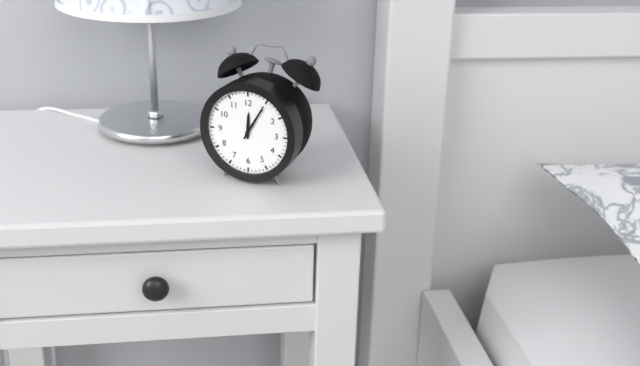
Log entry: 12:05
